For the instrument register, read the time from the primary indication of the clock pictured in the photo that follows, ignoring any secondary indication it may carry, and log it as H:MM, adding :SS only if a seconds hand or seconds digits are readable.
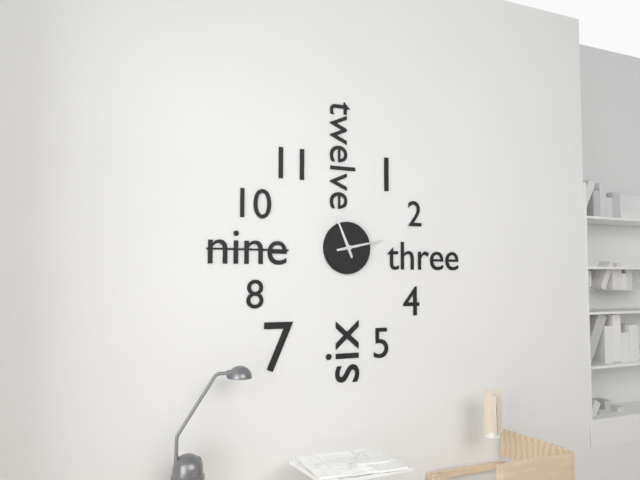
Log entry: 11:13
